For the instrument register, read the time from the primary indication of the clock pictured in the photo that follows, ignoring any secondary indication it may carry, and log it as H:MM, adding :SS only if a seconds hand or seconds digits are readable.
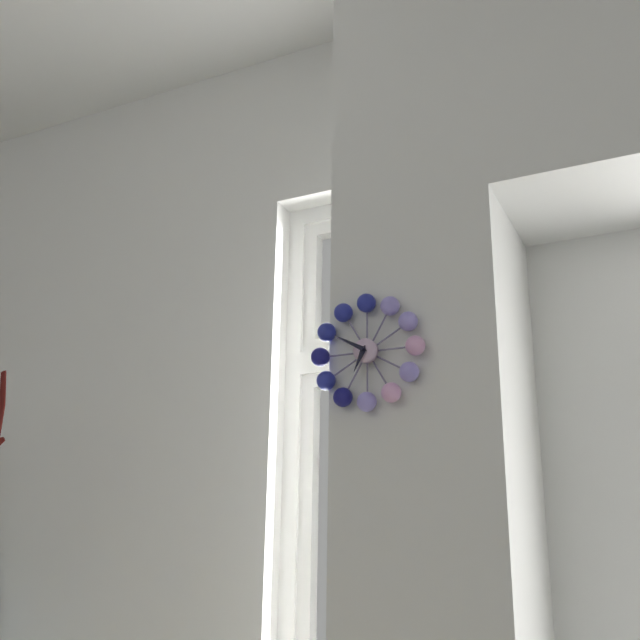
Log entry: 6:50
